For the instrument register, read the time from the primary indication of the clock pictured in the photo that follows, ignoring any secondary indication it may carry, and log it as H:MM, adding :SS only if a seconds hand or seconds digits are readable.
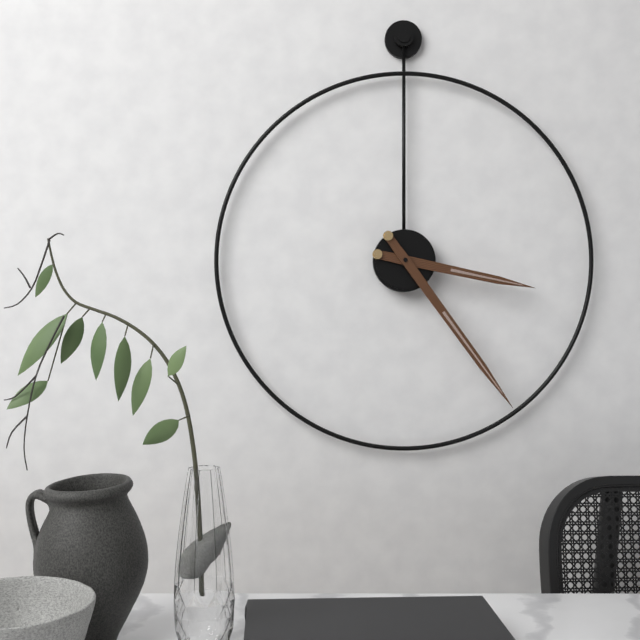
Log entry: 3:24
